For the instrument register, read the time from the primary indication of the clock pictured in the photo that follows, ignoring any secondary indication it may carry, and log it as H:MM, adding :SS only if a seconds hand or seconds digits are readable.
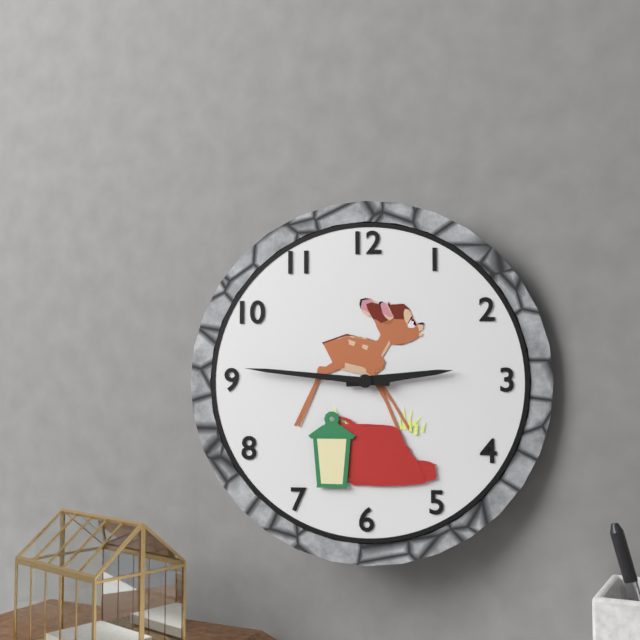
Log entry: 2:46
